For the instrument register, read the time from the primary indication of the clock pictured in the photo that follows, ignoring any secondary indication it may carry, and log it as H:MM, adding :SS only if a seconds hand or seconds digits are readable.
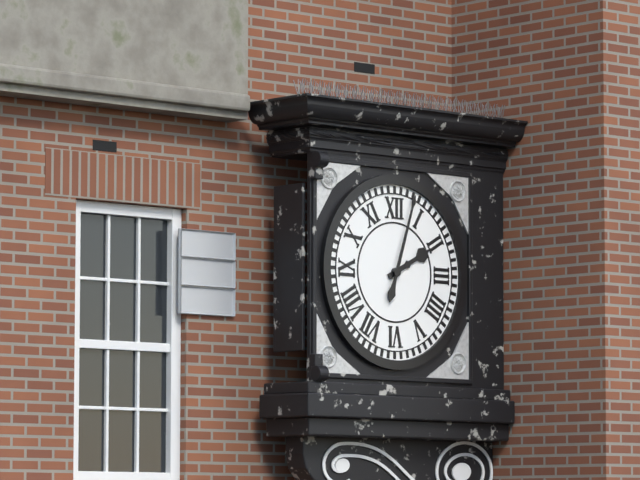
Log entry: 2:03
